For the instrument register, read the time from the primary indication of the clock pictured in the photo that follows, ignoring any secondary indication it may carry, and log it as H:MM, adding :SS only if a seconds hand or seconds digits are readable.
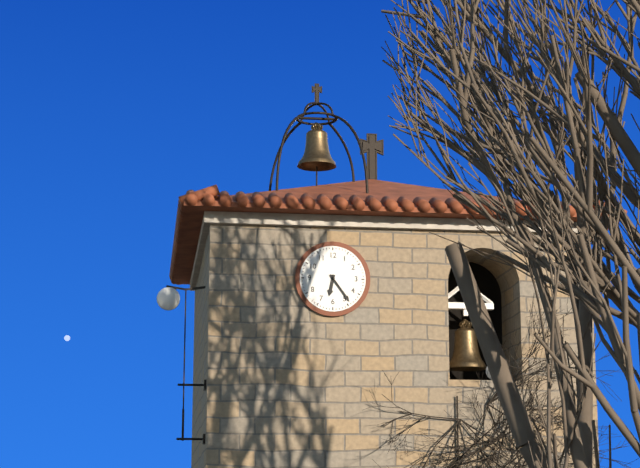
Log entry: 6:24
